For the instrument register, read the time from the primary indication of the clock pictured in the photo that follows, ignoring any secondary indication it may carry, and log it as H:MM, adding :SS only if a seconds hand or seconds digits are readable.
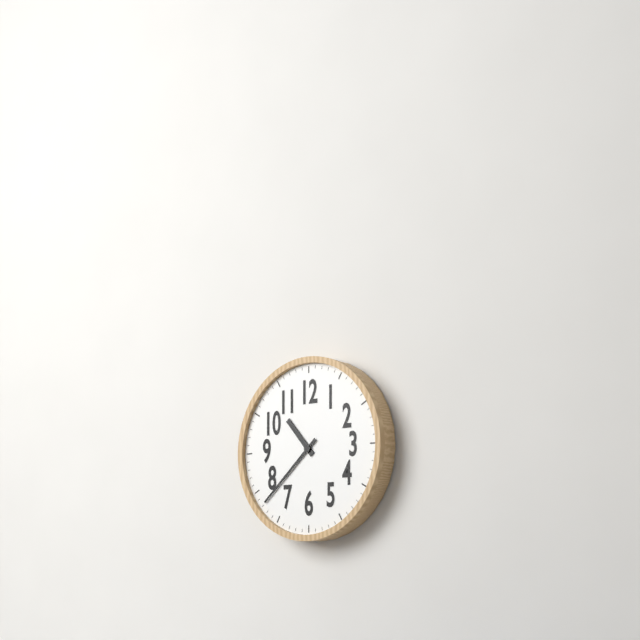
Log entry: 10:38
